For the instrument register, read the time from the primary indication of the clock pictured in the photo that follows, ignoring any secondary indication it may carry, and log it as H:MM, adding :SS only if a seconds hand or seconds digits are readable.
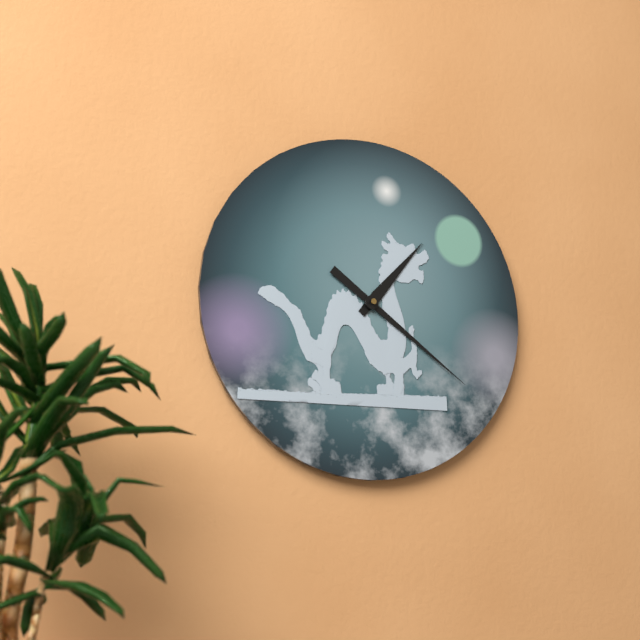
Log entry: 1:21
